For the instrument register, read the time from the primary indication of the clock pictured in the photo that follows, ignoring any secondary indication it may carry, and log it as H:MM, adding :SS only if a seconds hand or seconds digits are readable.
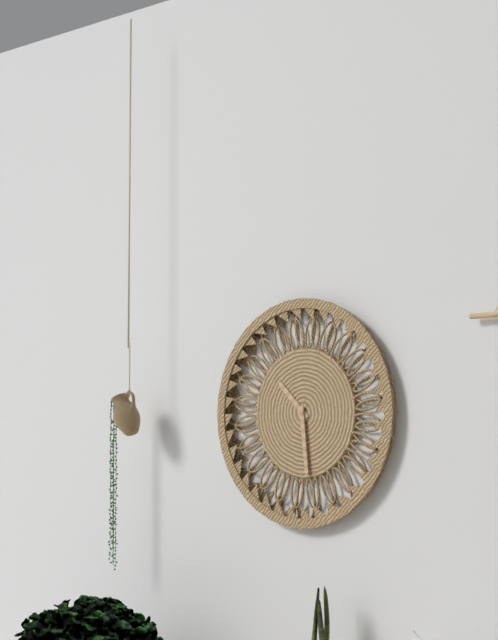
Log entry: 10:29
